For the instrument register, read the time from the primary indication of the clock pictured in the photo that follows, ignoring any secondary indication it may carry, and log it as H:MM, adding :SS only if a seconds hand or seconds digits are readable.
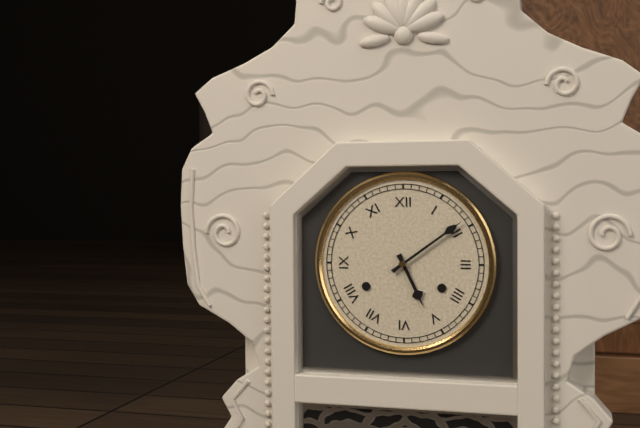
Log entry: 5:09
